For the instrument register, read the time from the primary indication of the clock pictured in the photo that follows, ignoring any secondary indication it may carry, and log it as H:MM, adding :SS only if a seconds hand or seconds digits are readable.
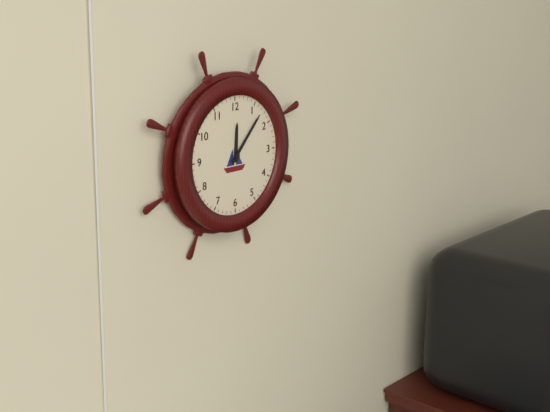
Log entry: 12:07
